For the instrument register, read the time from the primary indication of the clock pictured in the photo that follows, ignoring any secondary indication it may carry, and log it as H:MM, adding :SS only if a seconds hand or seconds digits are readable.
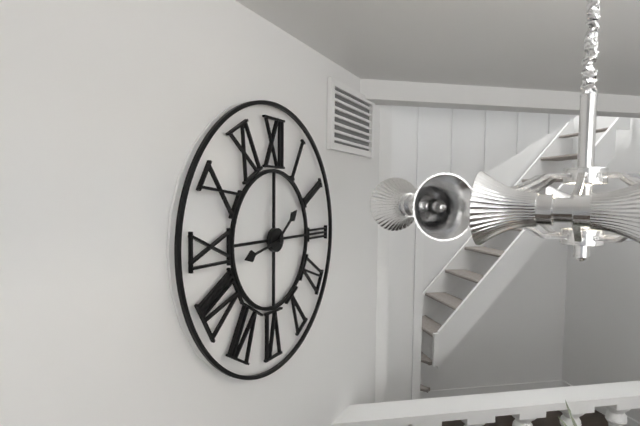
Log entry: 1:43
